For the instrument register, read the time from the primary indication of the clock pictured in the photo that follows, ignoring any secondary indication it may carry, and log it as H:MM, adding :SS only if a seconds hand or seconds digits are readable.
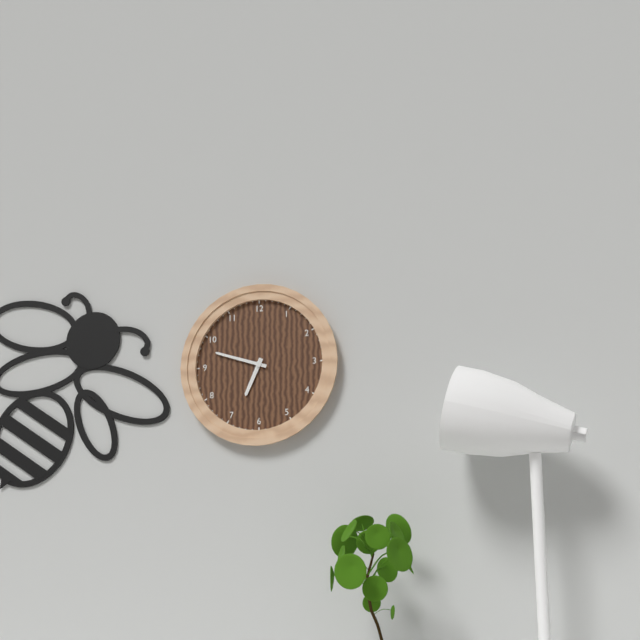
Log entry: 6:48
